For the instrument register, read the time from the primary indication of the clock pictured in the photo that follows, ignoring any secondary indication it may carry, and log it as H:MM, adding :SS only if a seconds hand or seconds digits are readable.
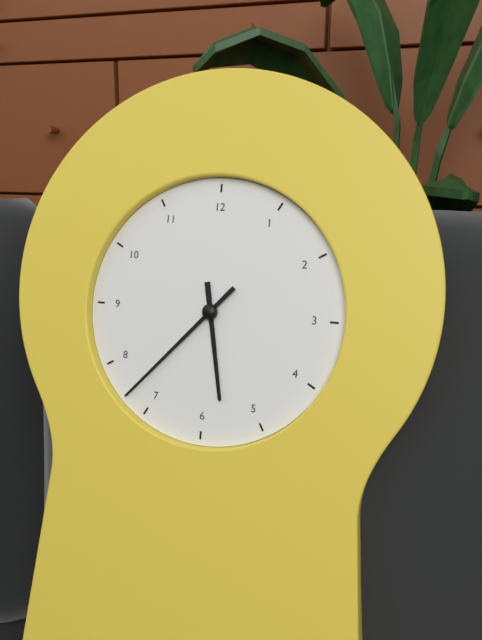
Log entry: 5:37
